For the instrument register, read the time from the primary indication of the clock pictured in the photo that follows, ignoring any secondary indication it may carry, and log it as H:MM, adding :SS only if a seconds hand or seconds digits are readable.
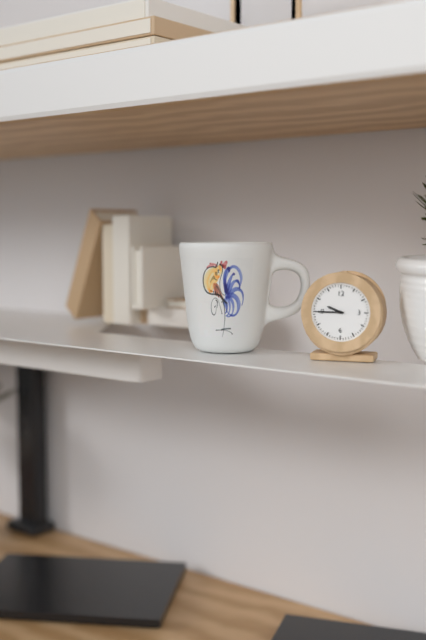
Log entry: 9:45
